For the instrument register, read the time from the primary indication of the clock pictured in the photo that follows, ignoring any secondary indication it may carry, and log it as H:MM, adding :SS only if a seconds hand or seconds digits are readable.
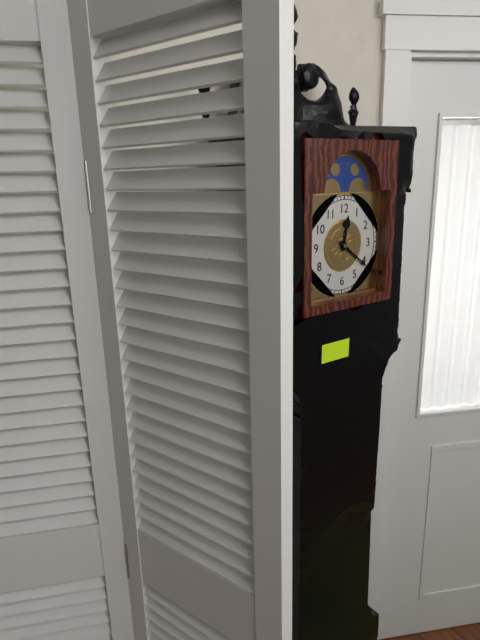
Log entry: 12:21
